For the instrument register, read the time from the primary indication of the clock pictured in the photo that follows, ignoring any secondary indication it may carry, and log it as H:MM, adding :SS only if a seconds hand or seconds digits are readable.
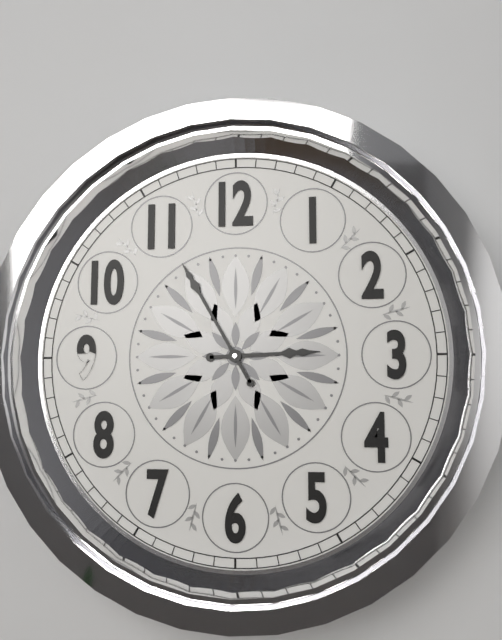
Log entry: 2:55
